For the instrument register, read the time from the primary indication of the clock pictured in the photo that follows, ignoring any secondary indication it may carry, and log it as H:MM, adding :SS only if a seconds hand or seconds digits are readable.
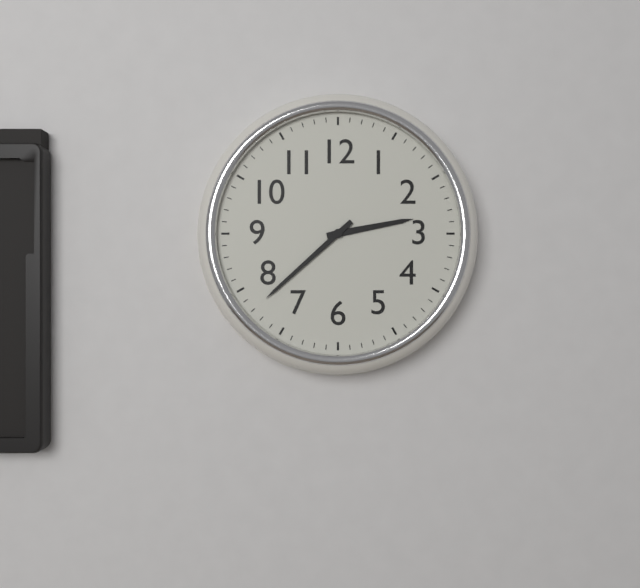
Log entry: 2:38
